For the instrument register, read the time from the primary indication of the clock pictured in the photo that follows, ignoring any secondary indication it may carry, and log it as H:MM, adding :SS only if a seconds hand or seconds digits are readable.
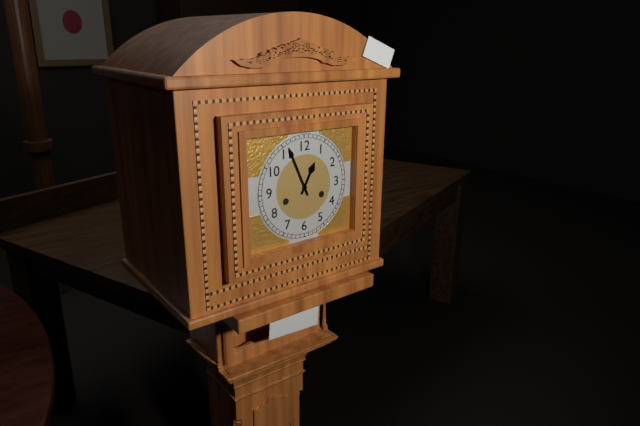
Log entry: 12:56
